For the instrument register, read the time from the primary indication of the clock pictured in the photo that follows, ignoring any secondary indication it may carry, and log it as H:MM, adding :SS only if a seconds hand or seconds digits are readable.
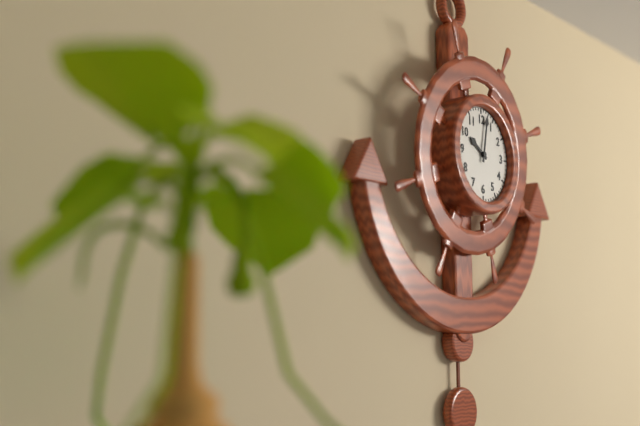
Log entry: 10:02
